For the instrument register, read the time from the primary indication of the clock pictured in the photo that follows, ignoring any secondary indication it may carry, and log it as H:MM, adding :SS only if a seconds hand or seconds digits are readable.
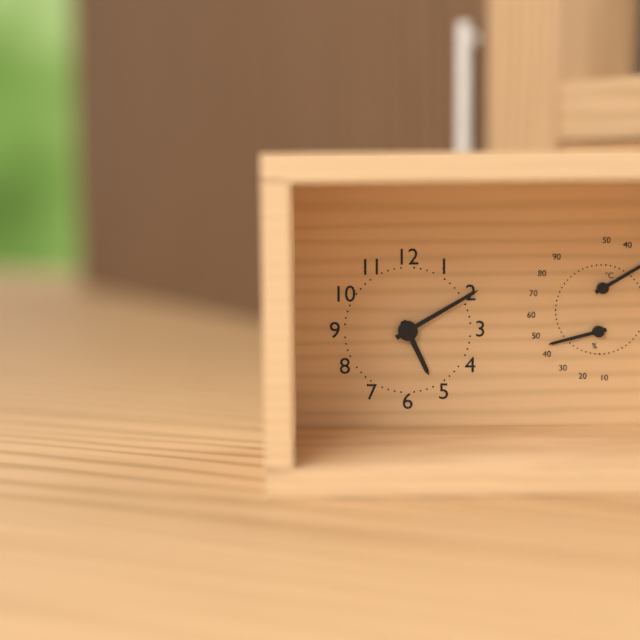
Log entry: 5:10
